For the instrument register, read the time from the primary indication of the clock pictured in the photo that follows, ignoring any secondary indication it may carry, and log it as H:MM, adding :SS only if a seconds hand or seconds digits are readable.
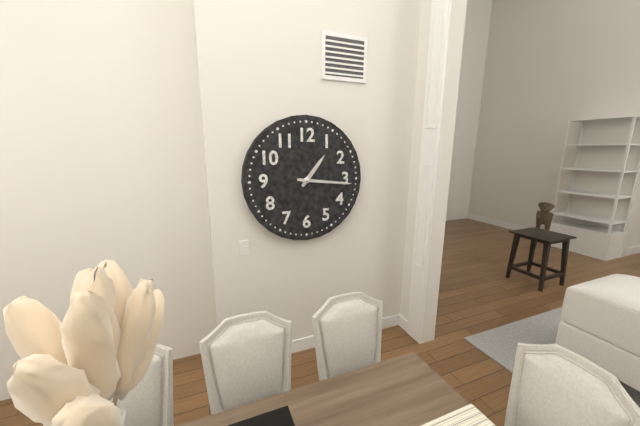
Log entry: 1:16
